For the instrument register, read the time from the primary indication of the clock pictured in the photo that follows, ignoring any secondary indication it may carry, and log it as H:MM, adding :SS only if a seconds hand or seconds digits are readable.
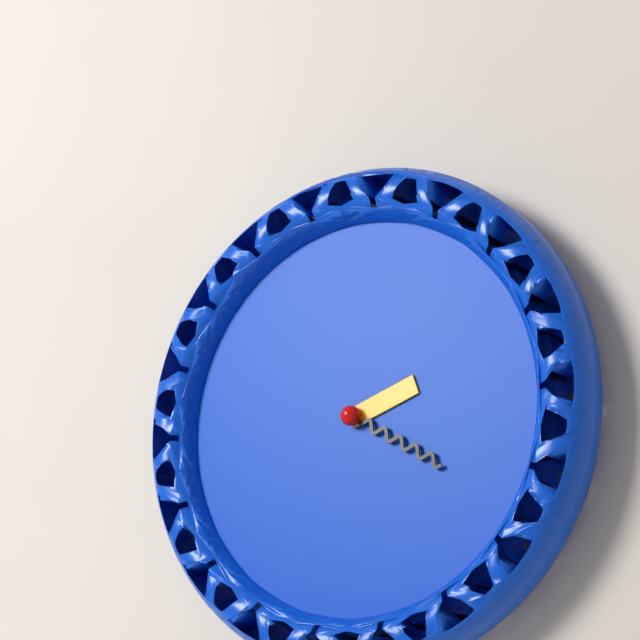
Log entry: 2:20
